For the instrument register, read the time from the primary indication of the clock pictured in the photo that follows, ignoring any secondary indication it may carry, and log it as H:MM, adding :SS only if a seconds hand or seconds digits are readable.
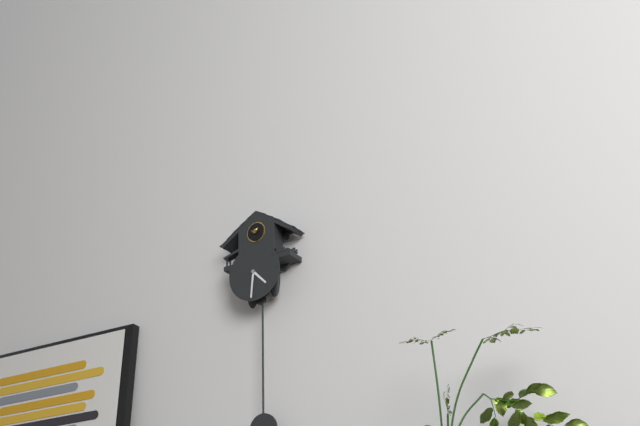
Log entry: 4:31
